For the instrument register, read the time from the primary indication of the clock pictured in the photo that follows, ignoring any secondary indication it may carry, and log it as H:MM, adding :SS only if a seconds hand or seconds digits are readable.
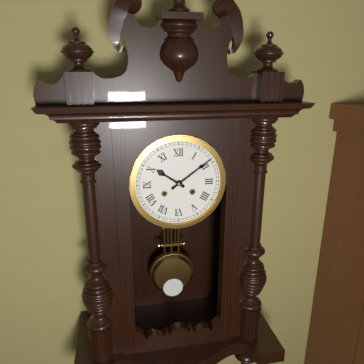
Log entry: 10:09
